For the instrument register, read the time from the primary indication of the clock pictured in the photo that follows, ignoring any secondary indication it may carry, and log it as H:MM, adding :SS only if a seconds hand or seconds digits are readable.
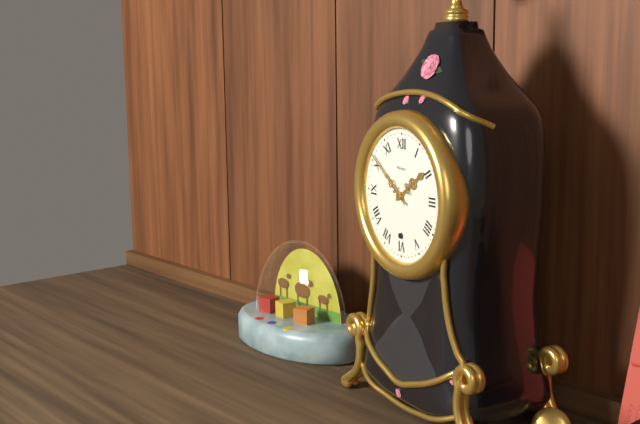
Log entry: 1:51
